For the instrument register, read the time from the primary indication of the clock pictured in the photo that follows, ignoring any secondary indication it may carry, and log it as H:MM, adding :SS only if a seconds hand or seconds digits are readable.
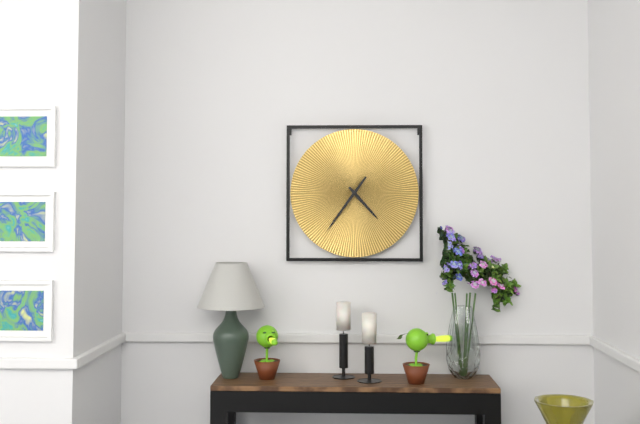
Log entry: 4:36
